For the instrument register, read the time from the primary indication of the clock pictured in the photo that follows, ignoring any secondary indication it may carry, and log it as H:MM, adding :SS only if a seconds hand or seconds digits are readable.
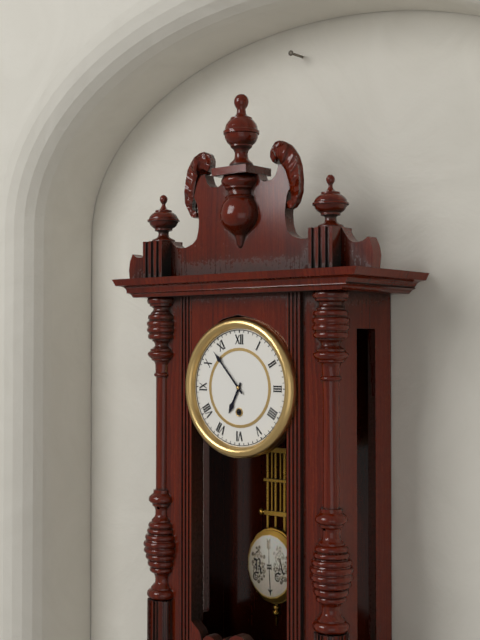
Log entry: 6:53
